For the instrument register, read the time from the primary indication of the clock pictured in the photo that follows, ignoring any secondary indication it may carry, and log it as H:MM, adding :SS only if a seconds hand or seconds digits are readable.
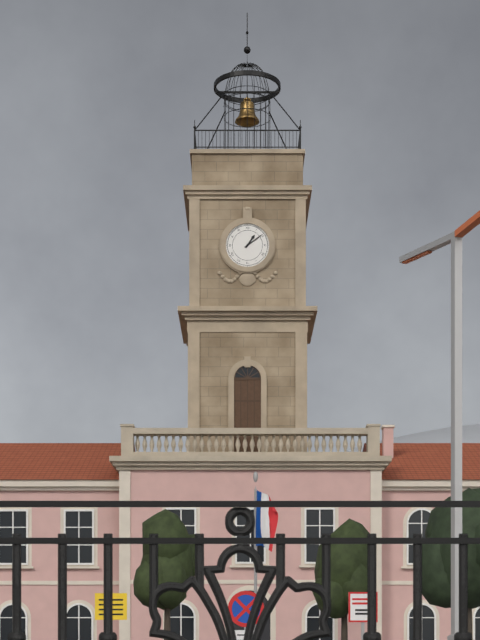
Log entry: 1:09
